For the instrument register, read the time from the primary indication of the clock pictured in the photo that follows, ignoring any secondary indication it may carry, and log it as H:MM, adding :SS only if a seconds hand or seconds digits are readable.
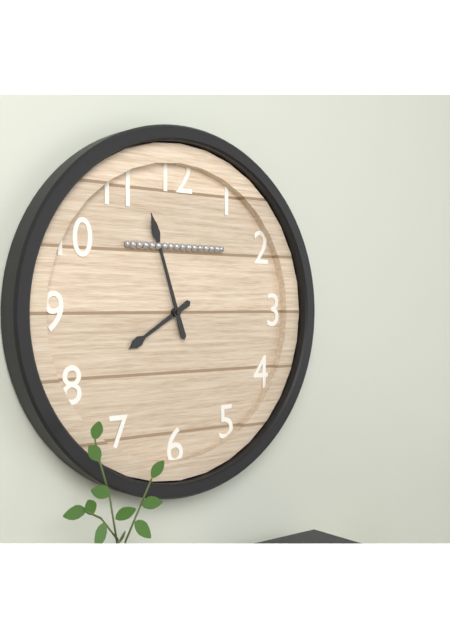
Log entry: 7:57
